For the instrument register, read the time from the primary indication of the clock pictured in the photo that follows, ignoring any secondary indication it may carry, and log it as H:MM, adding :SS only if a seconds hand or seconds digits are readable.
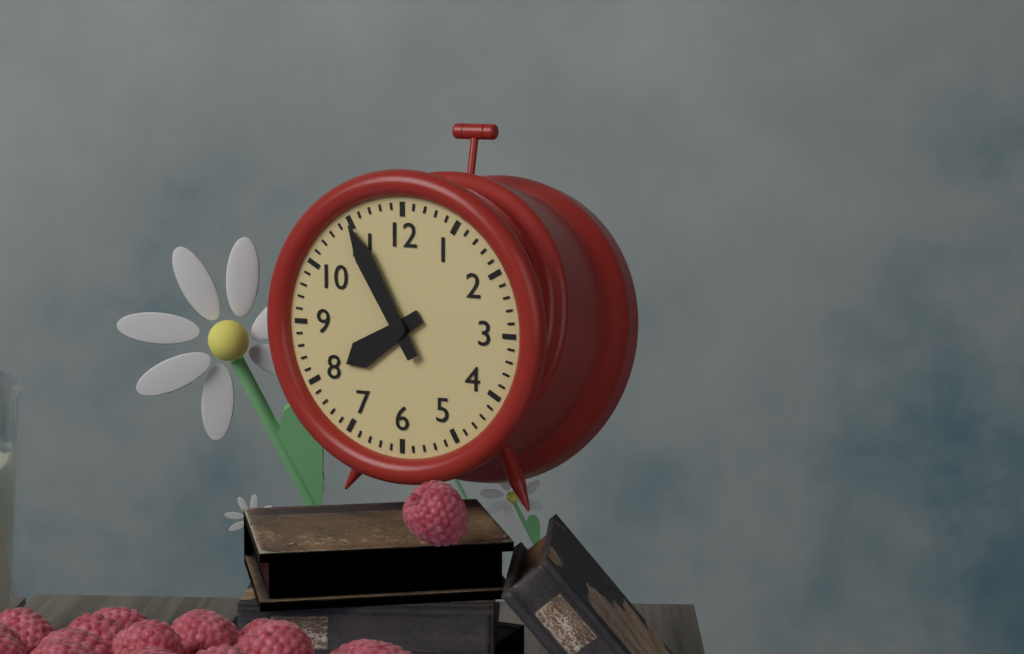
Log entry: 7:55
